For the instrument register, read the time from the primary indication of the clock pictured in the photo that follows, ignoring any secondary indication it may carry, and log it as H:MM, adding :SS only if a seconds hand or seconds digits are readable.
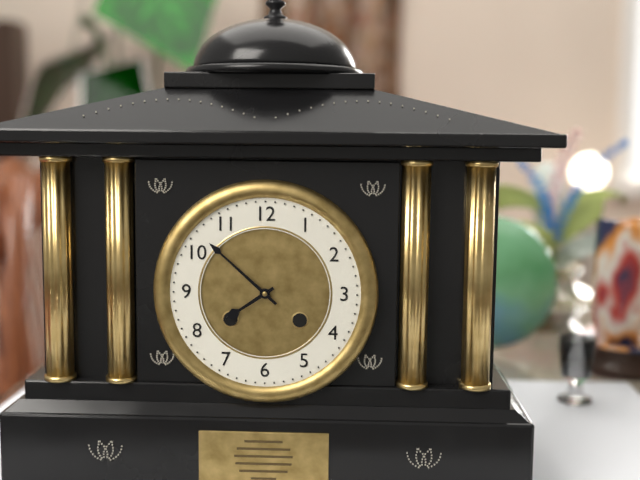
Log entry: 7:52
